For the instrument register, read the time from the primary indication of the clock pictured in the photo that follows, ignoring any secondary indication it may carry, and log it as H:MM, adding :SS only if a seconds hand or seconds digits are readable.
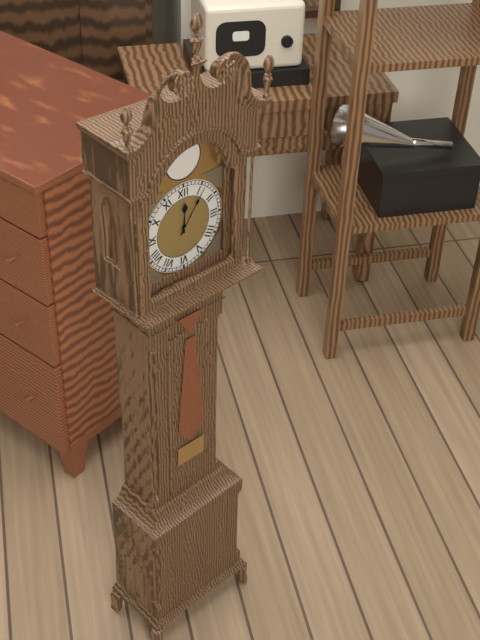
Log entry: 12:06
